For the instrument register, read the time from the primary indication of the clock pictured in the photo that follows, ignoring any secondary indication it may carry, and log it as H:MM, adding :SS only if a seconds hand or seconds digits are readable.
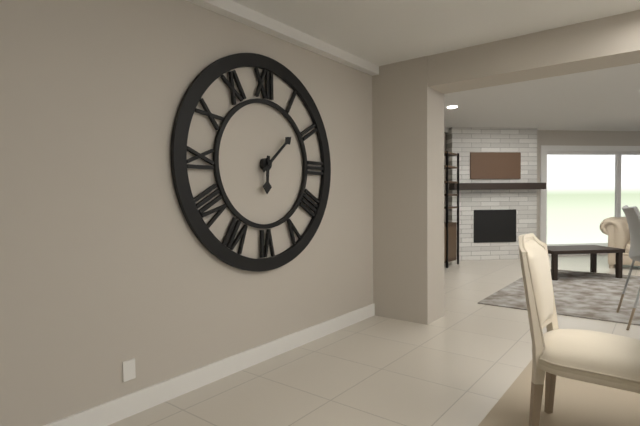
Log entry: 6:08
